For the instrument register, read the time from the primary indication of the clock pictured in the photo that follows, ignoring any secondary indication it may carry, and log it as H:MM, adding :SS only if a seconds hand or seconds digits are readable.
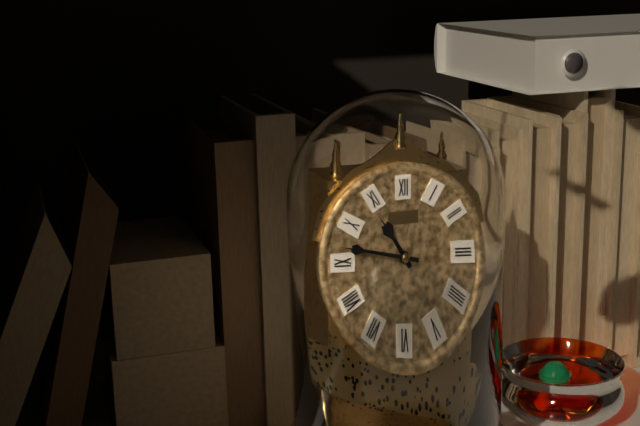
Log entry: 10:47
